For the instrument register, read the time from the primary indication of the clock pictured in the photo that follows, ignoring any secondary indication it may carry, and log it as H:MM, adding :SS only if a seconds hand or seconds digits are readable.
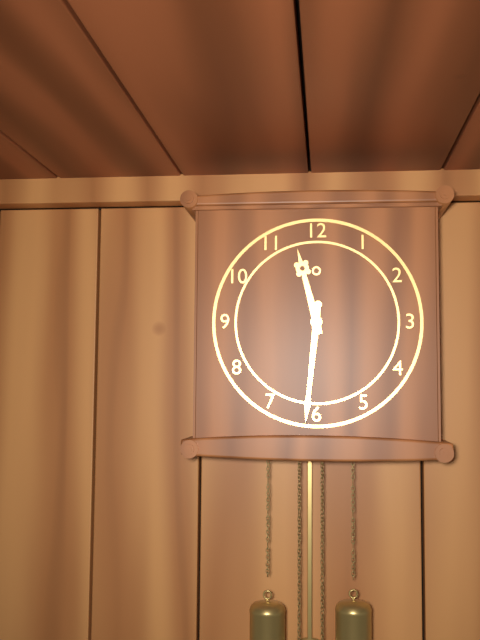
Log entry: 11:31
